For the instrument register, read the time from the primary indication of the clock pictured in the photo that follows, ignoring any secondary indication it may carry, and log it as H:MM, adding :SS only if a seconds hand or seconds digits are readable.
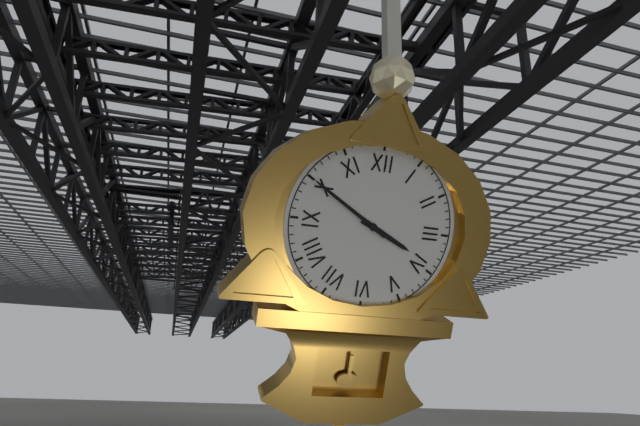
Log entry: 3:50
